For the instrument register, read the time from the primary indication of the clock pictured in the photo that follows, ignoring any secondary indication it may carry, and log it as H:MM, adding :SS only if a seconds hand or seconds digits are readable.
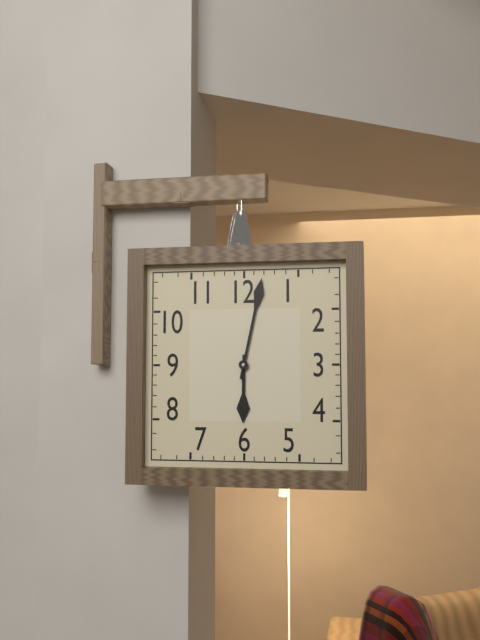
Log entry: 6:02
